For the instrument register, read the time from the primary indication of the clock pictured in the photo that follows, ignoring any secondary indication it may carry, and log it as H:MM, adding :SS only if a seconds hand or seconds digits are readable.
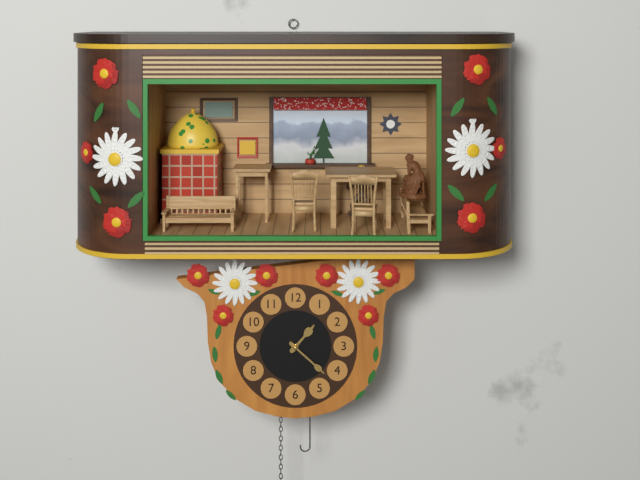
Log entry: 1:22
